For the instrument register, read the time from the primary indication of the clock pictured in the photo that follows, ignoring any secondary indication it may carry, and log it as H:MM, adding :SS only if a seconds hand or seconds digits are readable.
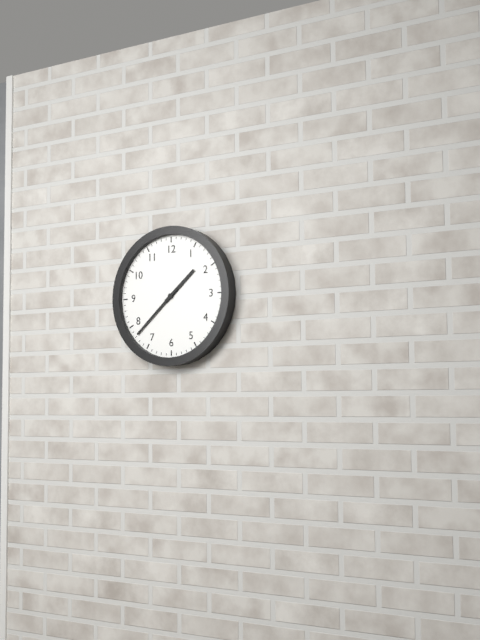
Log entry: 1:38
